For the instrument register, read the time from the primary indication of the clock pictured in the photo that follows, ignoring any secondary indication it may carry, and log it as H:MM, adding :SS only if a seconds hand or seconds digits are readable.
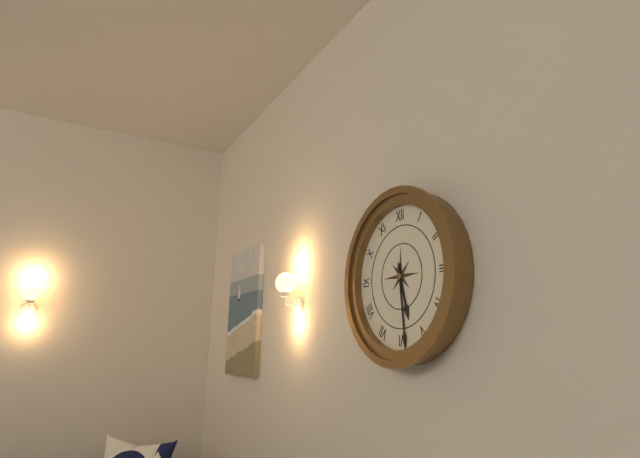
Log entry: 5:29
